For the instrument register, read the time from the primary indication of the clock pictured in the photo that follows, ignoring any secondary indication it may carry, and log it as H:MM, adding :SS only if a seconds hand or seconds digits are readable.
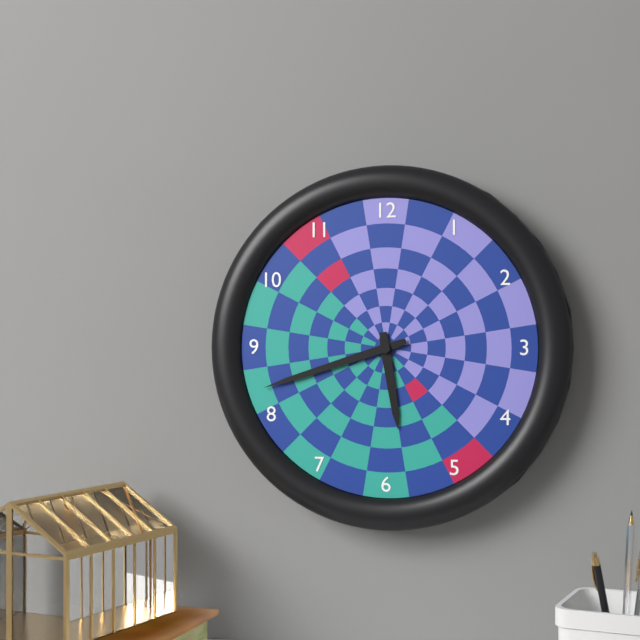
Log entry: 5:42
